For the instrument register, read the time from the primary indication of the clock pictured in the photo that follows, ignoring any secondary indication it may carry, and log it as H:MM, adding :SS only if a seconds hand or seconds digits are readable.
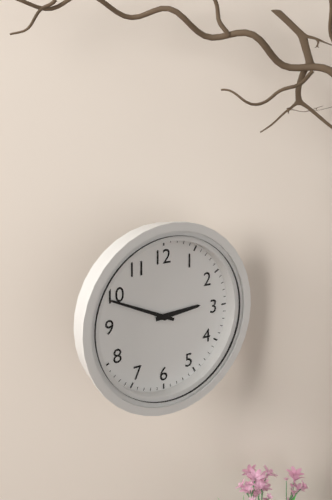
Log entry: 2:49
